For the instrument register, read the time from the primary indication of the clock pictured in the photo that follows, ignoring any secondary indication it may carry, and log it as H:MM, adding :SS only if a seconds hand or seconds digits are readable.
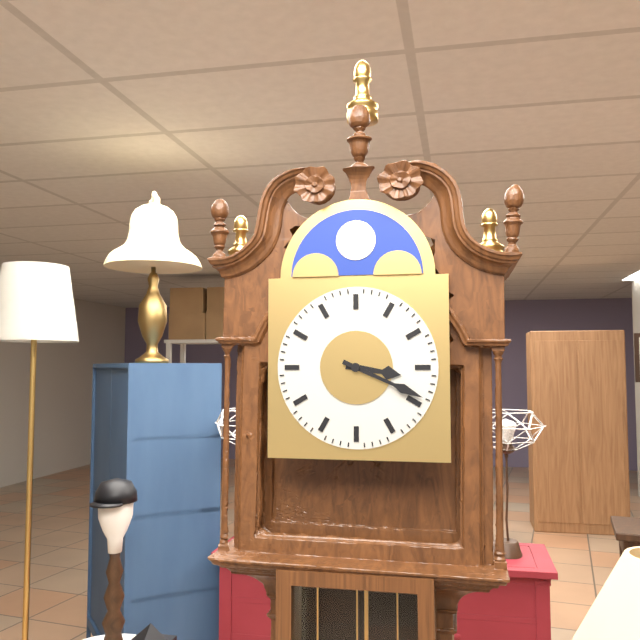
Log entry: 3:19
